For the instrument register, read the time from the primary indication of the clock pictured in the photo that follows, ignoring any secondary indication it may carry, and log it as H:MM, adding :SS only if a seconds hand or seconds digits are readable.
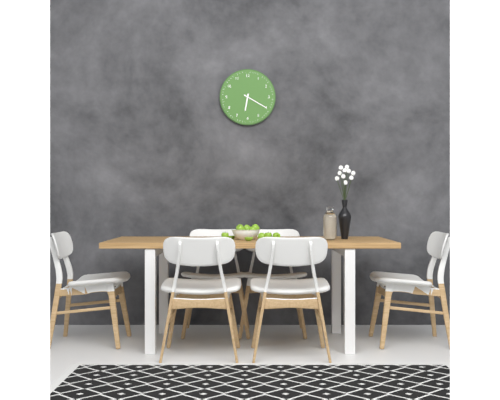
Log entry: 6:20
